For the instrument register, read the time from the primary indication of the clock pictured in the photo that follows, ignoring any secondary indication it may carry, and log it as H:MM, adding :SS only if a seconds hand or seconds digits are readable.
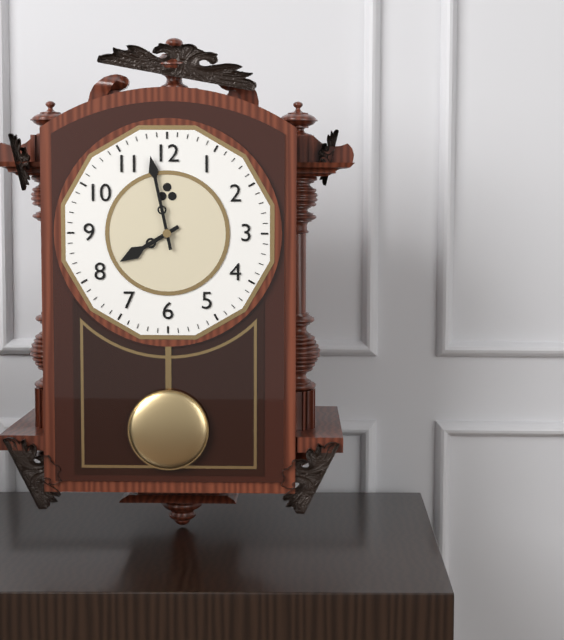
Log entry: 7:58
